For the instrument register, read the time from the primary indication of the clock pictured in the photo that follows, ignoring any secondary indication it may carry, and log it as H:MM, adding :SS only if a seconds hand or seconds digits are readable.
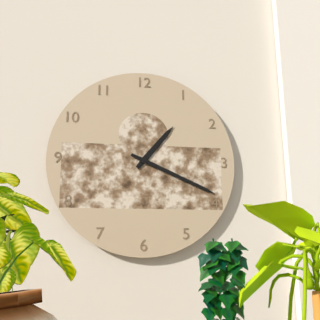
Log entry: 1:19
